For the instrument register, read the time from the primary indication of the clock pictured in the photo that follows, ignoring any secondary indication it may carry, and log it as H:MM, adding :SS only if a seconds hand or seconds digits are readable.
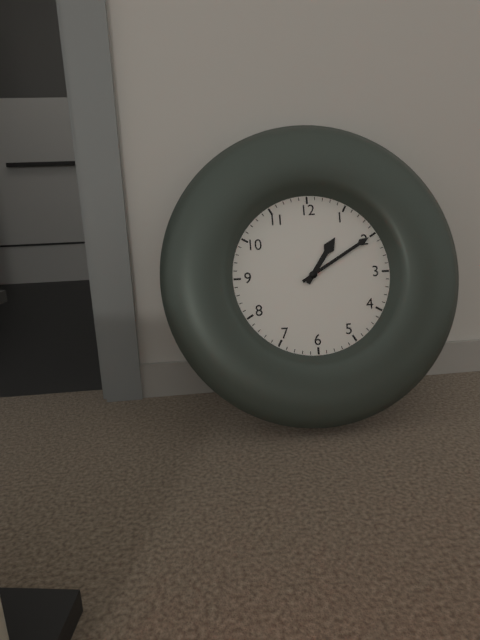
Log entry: 1:10
